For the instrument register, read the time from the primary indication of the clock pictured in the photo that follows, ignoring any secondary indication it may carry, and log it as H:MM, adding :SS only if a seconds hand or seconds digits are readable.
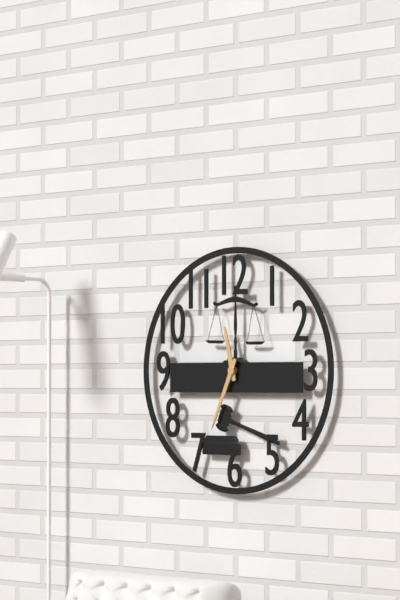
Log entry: 11:34
